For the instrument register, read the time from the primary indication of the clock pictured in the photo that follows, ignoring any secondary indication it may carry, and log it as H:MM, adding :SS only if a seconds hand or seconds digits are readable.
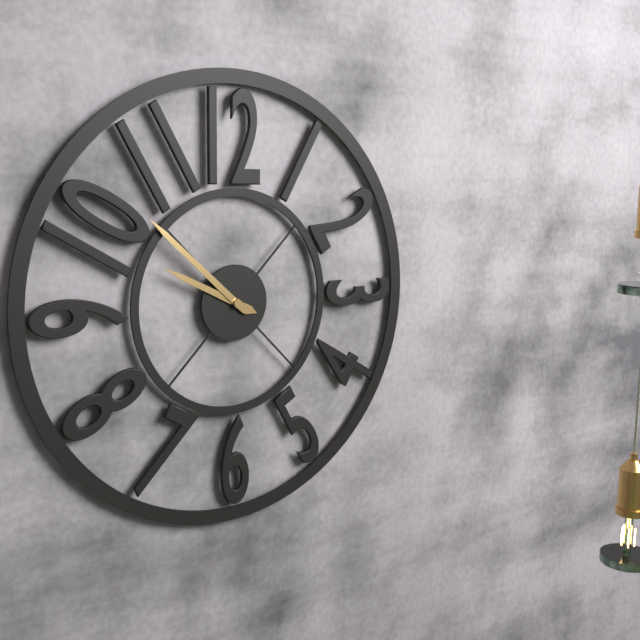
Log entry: 9:52
